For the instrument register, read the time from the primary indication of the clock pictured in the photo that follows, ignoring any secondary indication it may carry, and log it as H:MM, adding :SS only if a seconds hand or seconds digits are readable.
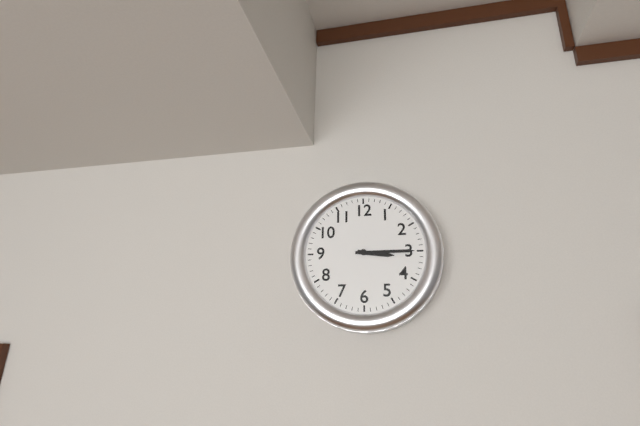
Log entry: 3:15
